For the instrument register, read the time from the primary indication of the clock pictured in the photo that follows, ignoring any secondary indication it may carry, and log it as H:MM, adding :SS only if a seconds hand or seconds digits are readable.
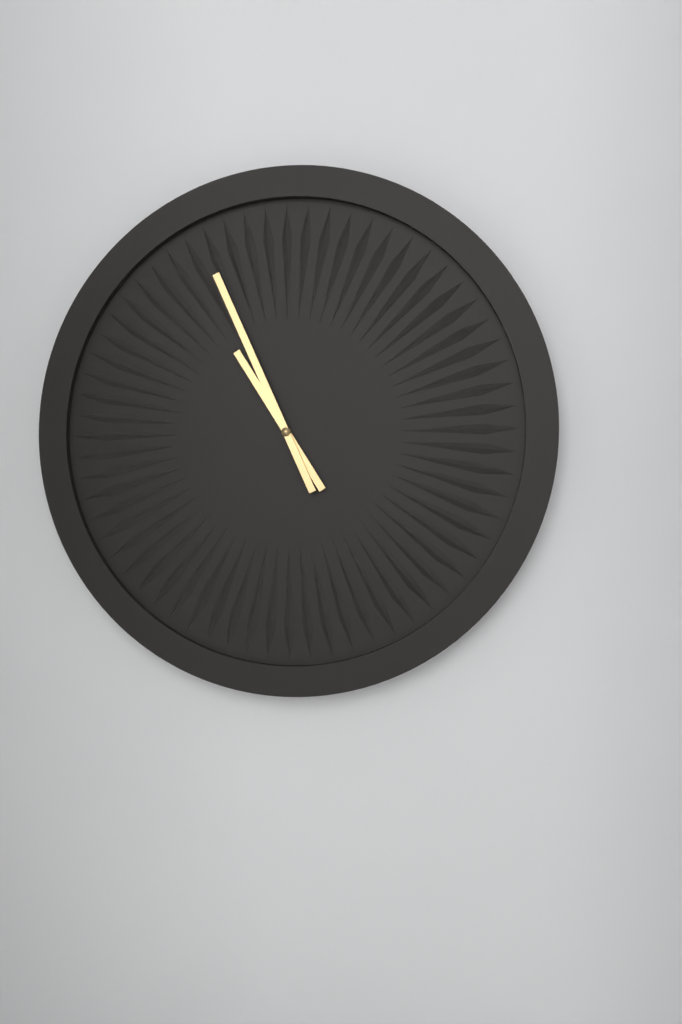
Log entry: 10:56
